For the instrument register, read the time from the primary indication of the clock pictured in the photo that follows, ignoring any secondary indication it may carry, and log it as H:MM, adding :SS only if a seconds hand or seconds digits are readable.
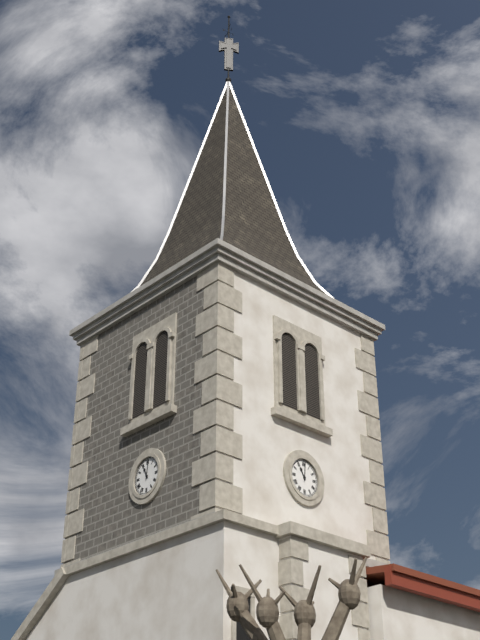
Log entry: 11:01
